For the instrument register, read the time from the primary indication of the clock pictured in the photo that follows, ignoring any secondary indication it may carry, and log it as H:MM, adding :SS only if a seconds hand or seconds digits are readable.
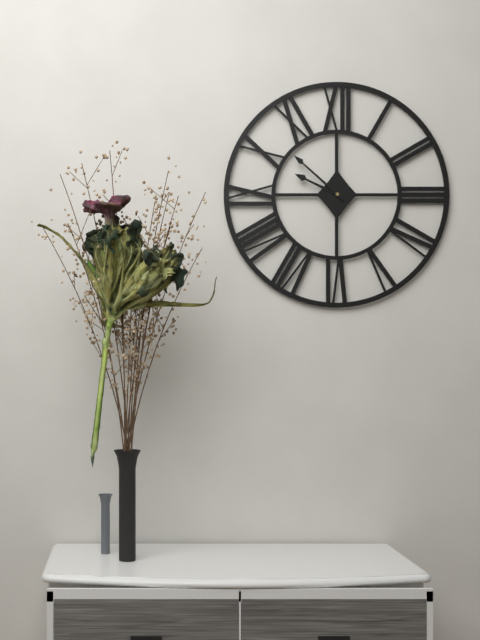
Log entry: 9:52
